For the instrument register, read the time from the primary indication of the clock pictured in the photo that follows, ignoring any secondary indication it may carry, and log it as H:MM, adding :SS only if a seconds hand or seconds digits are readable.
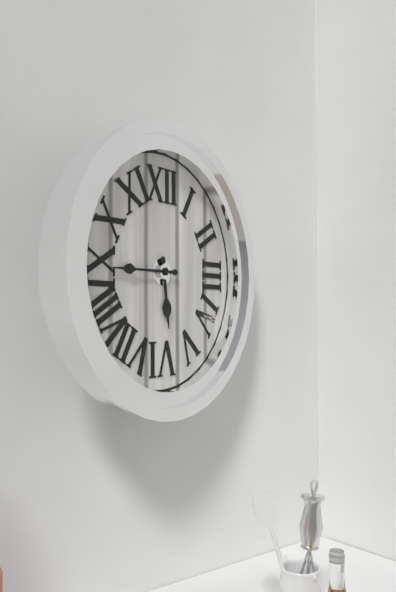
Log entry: 5:45
